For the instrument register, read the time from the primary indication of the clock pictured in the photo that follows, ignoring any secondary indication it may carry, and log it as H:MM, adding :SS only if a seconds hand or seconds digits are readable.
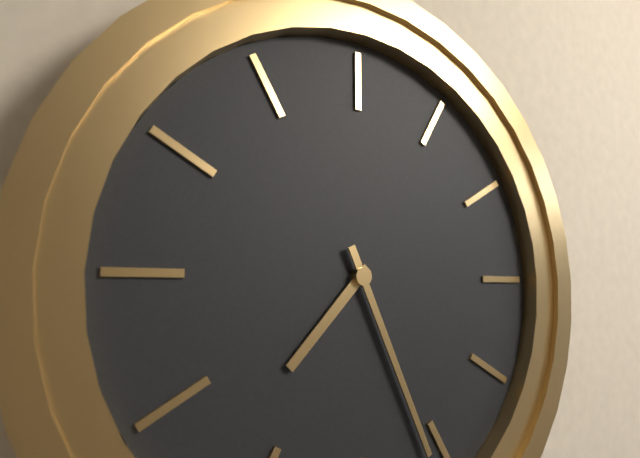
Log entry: 7:26
